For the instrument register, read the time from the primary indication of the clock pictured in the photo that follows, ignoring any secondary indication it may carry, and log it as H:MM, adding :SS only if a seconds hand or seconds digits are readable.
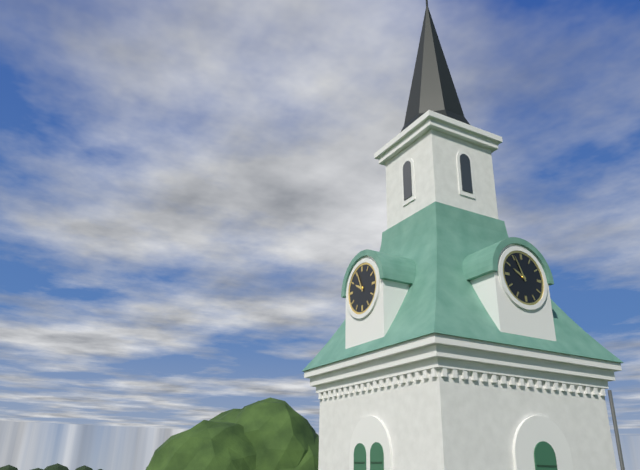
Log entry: 9:56
